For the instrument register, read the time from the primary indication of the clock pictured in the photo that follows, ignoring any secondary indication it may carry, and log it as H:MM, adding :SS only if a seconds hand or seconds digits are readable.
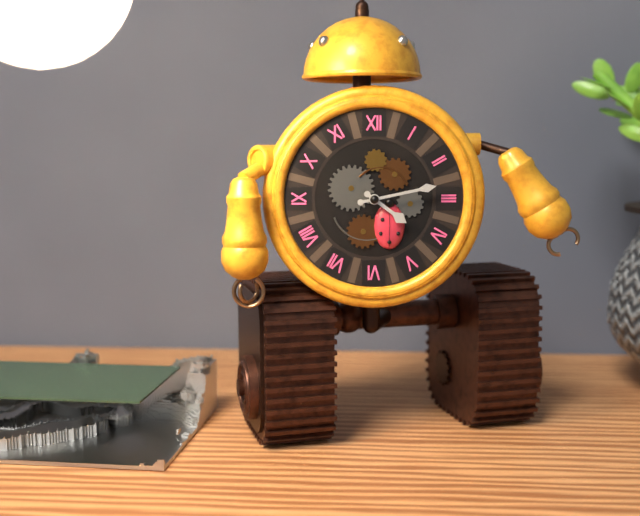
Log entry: 4:13
